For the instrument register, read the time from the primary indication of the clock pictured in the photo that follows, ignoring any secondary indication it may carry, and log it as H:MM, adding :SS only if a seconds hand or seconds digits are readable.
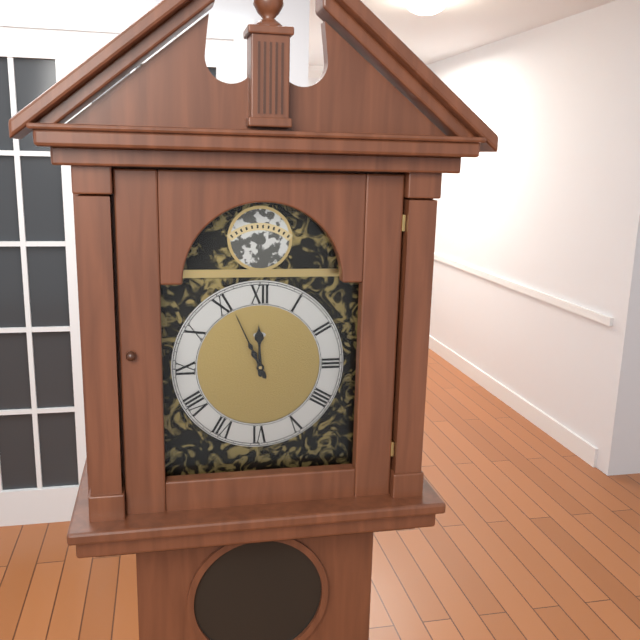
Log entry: 11:56
